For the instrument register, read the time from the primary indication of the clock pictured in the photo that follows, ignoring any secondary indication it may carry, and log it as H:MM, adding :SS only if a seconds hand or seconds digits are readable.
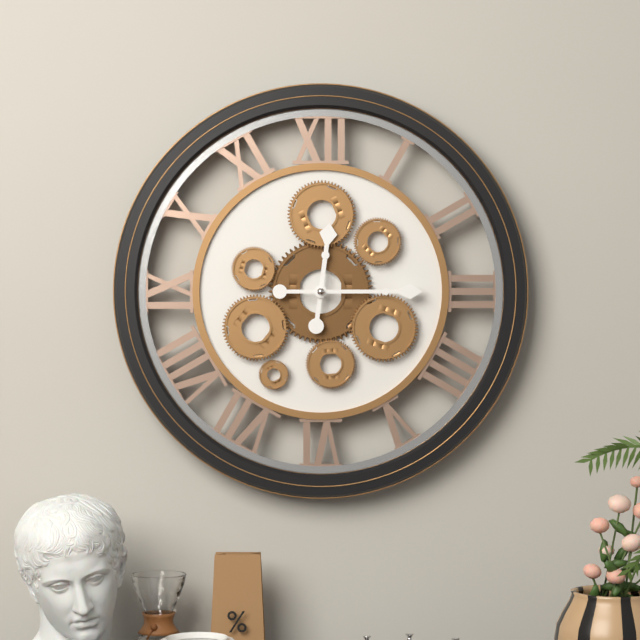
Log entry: 12:15
